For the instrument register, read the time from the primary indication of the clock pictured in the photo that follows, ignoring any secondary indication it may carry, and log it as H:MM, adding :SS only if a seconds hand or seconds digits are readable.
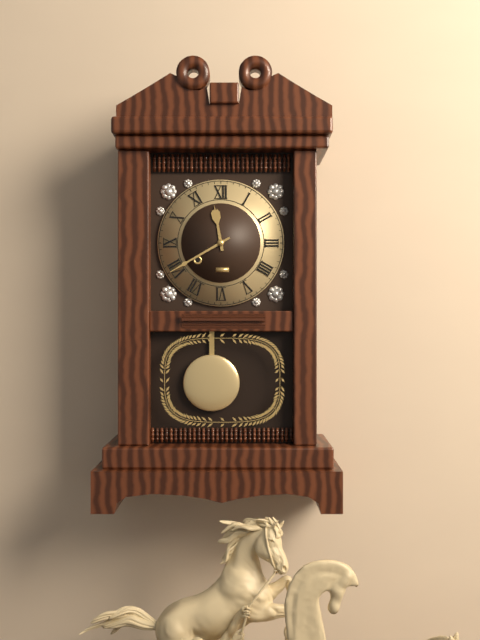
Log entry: 11:40
